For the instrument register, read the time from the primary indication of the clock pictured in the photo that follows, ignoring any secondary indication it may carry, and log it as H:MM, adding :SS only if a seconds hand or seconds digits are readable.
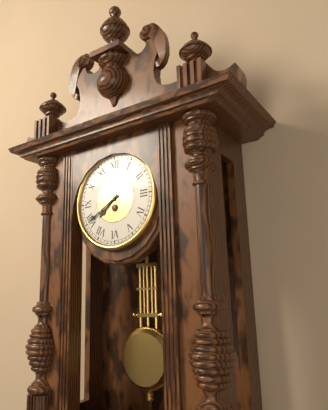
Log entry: 7:40
